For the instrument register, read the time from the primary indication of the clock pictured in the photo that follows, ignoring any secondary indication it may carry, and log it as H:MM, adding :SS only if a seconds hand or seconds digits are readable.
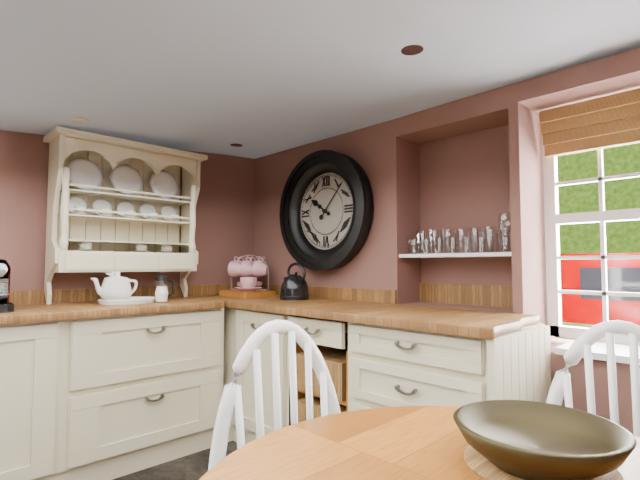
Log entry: 10:07
